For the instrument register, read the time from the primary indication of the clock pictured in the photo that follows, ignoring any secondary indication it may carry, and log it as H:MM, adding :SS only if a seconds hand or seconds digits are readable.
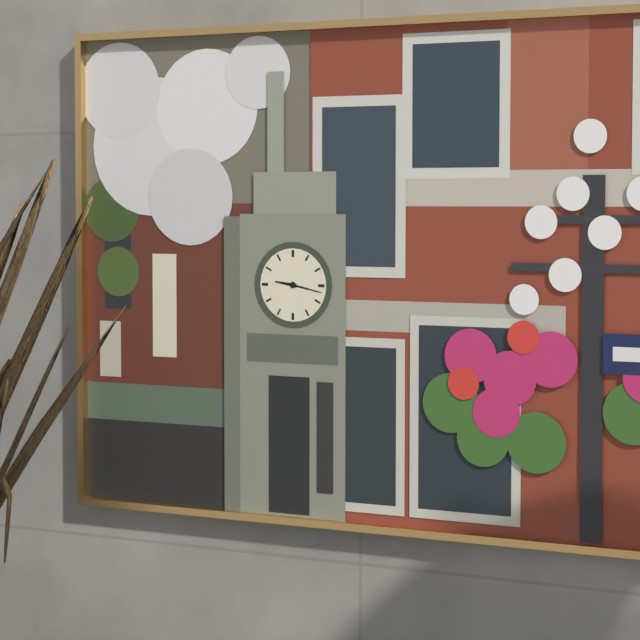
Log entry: 9:17
